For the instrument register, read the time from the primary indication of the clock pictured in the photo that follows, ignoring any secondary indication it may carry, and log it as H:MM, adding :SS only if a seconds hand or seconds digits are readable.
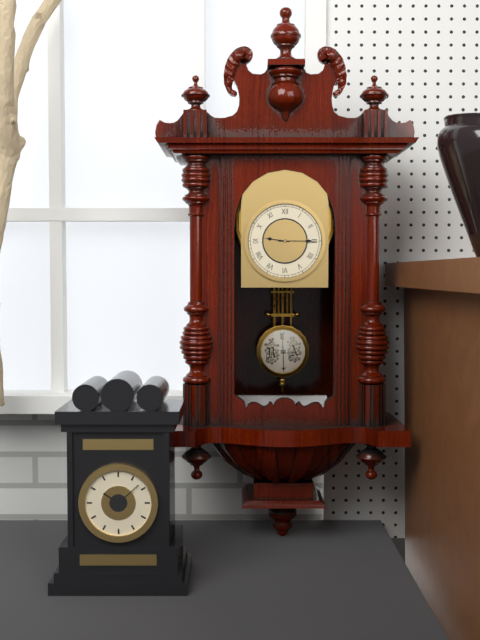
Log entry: 9:15
